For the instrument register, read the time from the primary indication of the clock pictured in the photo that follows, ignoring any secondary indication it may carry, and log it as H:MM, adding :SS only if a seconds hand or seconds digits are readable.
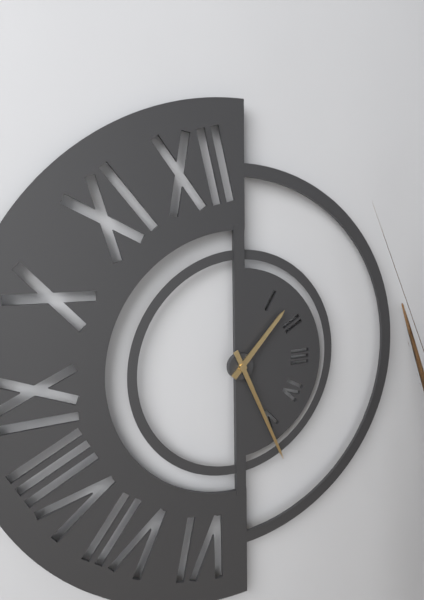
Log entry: 1:26
